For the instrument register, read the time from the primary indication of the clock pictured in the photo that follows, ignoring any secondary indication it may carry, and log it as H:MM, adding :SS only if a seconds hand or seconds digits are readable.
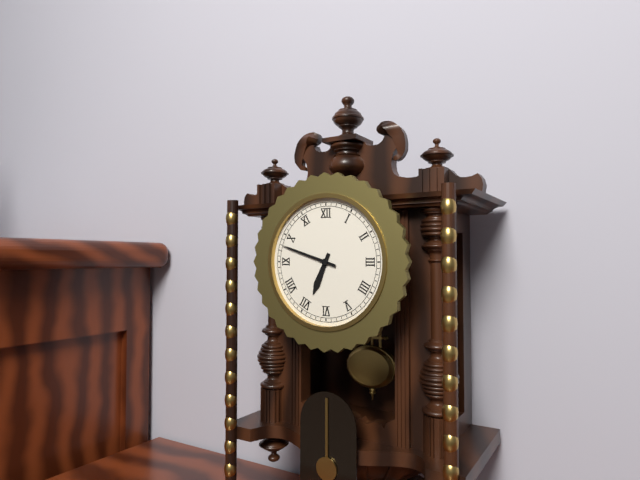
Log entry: 6:48
